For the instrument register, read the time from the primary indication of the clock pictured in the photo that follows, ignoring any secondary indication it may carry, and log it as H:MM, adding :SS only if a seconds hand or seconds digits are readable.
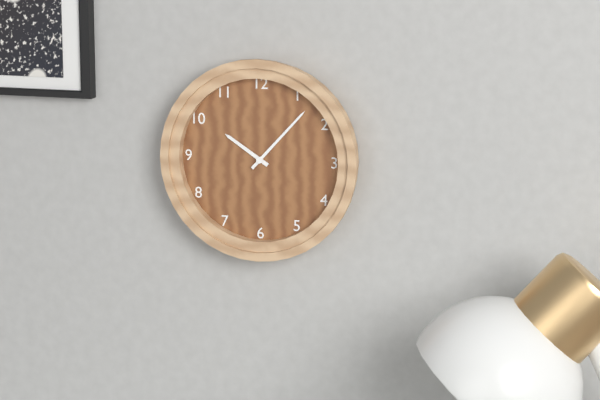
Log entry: 10:07
